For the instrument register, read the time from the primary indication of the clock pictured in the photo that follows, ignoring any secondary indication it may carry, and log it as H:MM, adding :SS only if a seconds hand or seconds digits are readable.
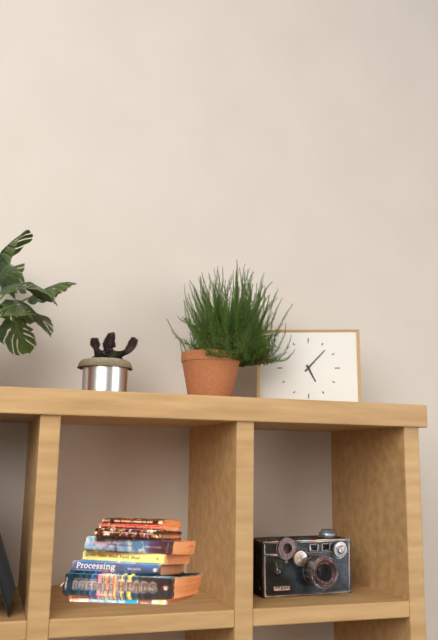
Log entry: 5:07
